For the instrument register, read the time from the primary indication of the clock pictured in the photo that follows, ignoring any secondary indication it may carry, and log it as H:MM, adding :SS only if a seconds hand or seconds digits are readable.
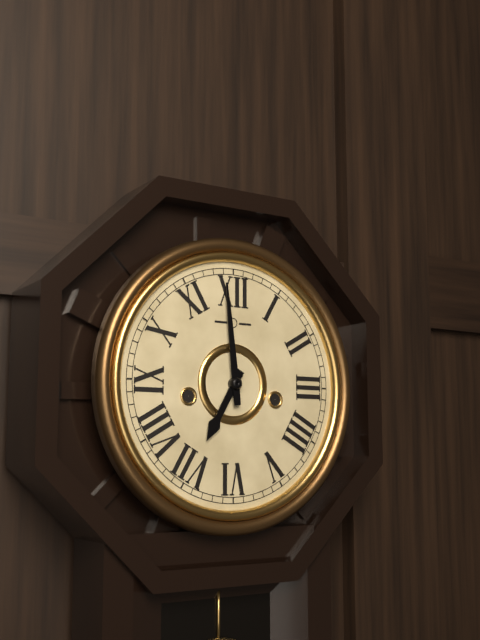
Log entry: 6:59
